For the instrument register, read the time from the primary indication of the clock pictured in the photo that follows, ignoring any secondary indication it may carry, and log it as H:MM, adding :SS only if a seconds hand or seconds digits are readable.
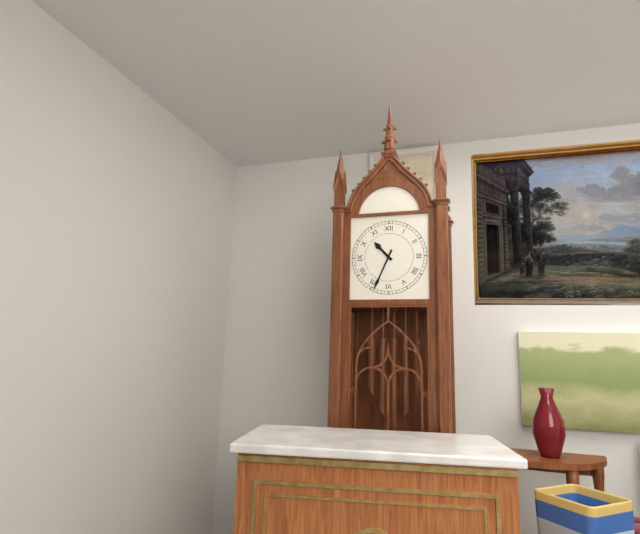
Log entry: 10:34
